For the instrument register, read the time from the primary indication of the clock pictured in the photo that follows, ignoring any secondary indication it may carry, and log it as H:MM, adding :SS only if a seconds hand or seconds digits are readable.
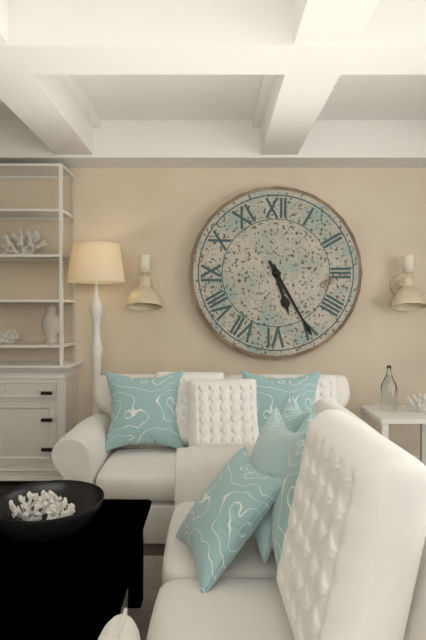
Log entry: 5:25
